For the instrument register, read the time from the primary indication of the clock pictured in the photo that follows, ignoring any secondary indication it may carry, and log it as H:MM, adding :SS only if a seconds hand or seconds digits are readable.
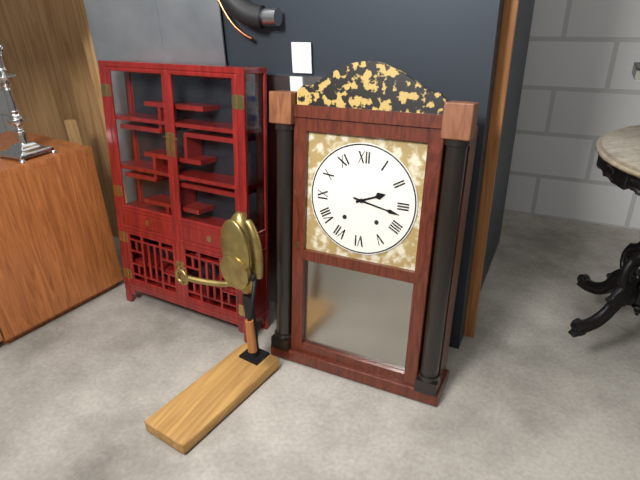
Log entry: 2:17
